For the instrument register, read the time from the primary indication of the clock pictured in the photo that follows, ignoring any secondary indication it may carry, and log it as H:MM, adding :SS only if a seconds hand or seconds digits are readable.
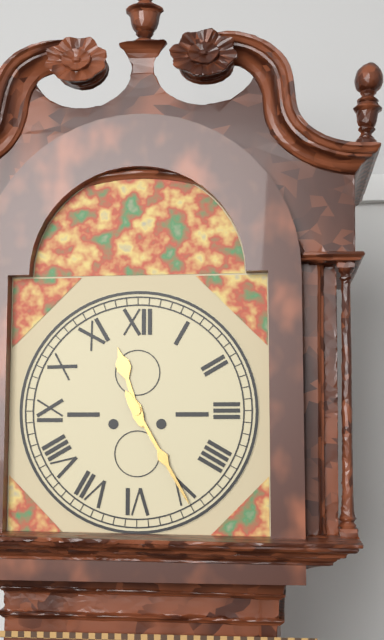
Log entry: 11:25
